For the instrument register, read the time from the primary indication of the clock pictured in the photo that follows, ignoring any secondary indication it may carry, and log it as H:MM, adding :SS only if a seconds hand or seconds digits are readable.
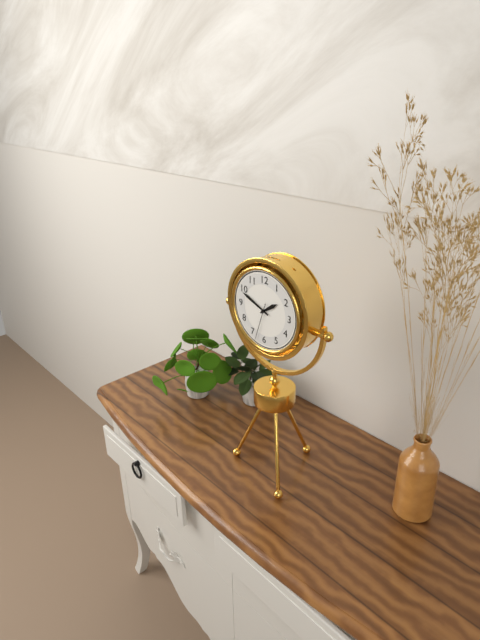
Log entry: 1:49
